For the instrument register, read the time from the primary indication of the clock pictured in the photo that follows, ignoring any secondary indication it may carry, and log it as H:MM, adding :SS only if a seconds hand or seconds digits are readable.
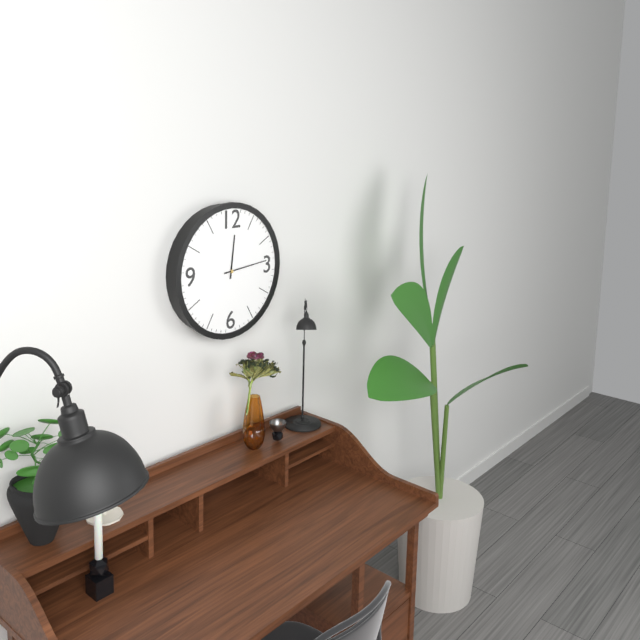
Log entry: 12:14
